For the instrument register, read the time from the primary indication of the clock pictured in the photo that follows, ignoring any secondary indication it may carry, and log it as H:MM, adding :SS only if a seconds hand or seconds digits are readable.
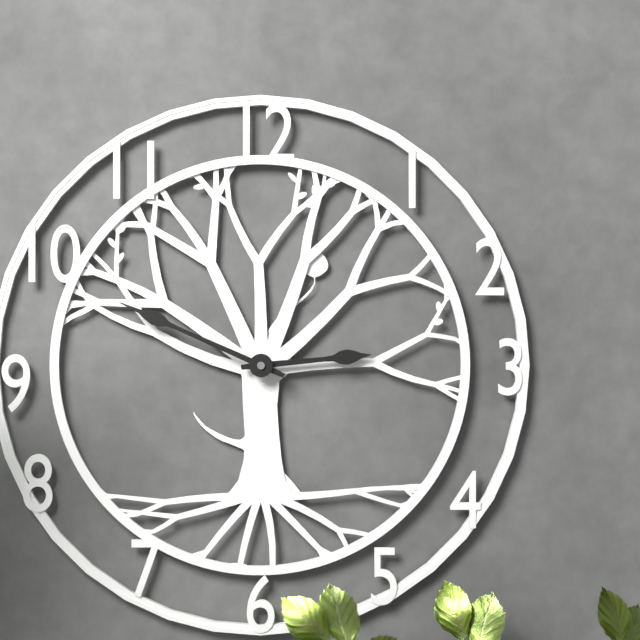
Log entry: 2:49
